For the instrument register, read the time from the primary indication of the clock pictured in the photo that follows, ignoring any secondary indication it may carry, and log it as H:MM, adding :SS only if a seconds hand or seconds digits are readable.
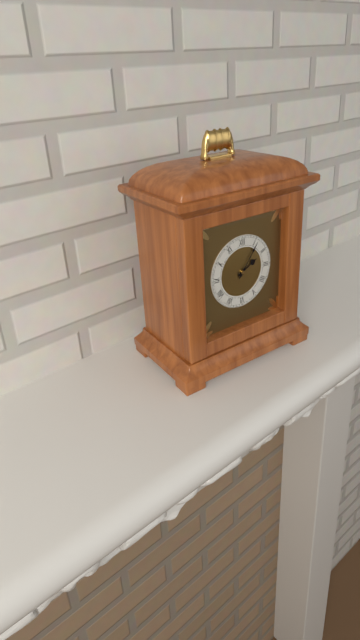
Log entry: 2:06
